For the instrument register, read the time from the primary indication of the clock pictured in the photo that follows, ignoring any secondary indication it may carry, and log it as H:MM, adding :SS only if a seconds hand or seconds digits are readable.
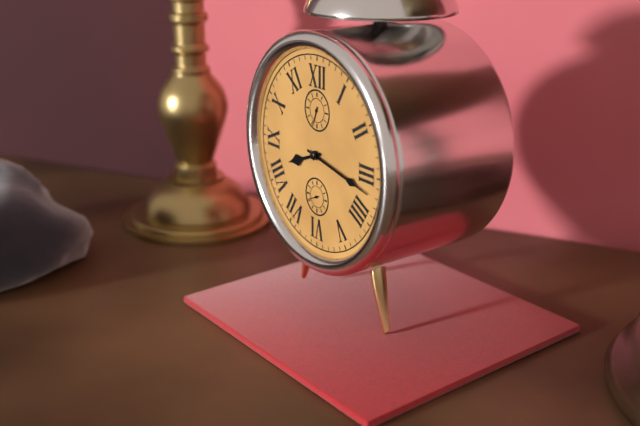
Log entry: 8:17
